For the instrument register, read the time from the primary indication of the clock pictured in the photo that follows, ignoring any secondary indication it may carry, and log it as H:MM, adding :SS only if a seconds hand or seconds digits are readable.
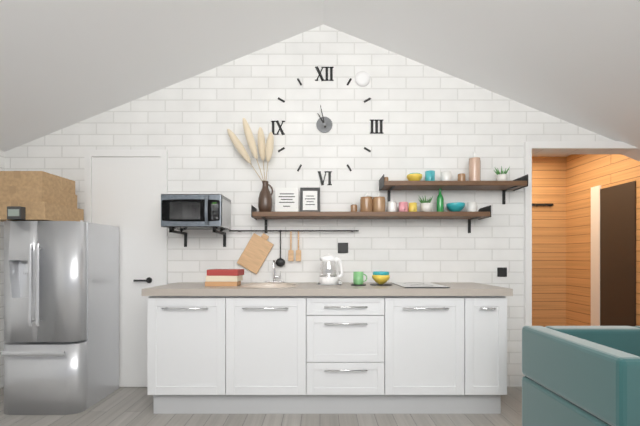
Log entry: 10:58
